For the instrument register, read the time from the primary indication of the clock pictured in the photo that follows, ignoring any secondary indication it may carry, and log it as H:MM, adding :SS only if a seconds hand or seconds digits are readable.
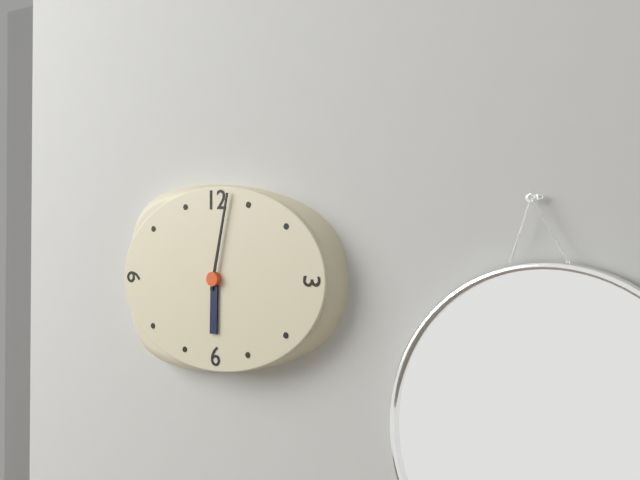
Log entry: 6:02
